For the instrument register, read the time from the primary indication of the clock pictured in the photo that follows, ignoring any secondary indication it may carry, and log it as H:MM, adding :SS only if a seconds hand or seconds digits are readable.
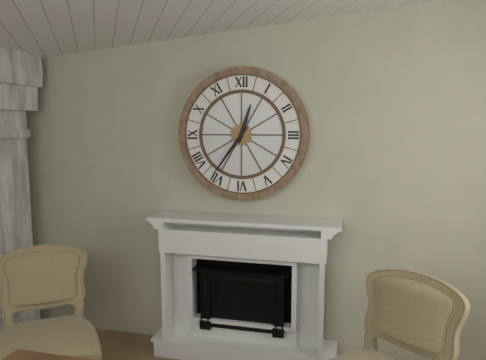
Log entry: 12:36
